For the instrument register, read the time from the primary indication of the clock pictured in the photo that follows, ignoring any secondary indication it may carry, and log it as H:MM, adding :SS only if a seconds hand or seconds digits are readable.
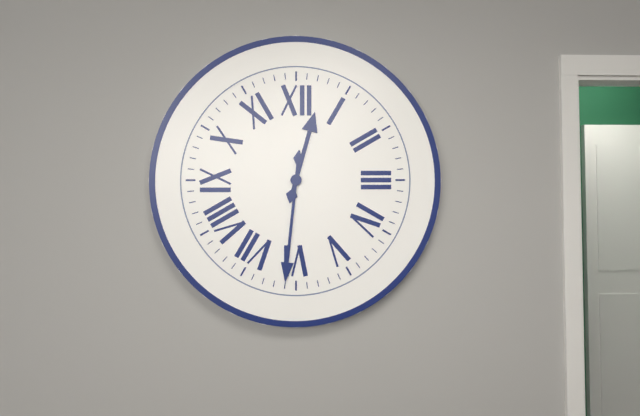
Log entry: 12:31
